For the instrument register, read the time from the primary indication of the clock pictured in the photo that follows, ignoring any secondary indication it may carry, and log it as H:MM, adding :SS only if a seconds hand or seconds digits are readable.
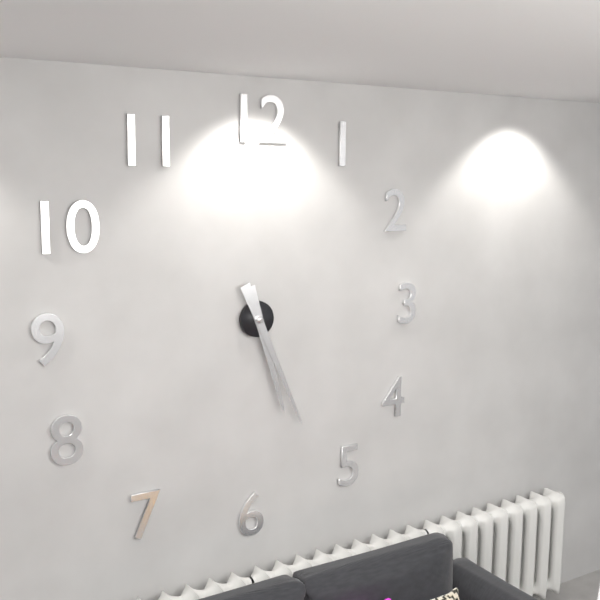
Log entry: 5:26
